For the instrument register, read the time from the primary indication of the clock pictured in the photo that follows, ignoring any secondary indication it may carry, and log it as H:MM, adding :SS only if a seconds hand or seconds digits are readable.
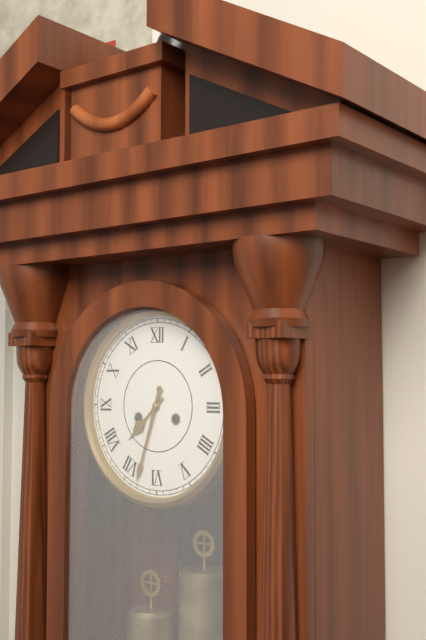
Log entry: 7:33
